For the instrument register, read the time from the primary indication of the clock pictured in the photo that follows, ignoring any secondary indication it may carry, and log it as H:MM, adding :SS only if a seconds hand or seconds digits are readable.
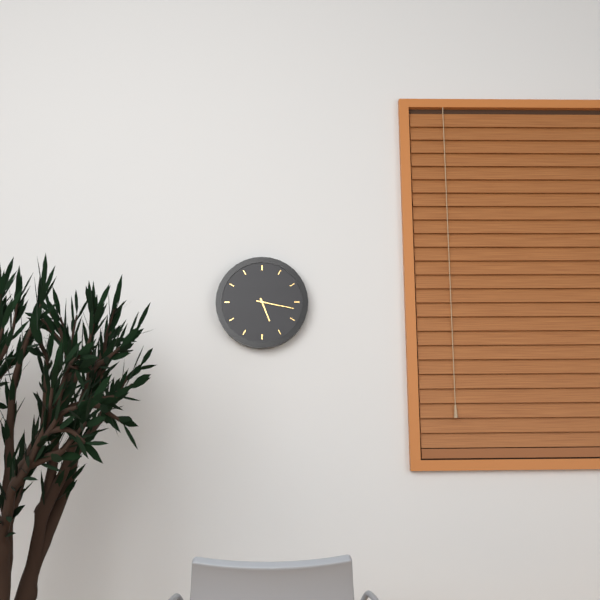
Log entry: 5:17
